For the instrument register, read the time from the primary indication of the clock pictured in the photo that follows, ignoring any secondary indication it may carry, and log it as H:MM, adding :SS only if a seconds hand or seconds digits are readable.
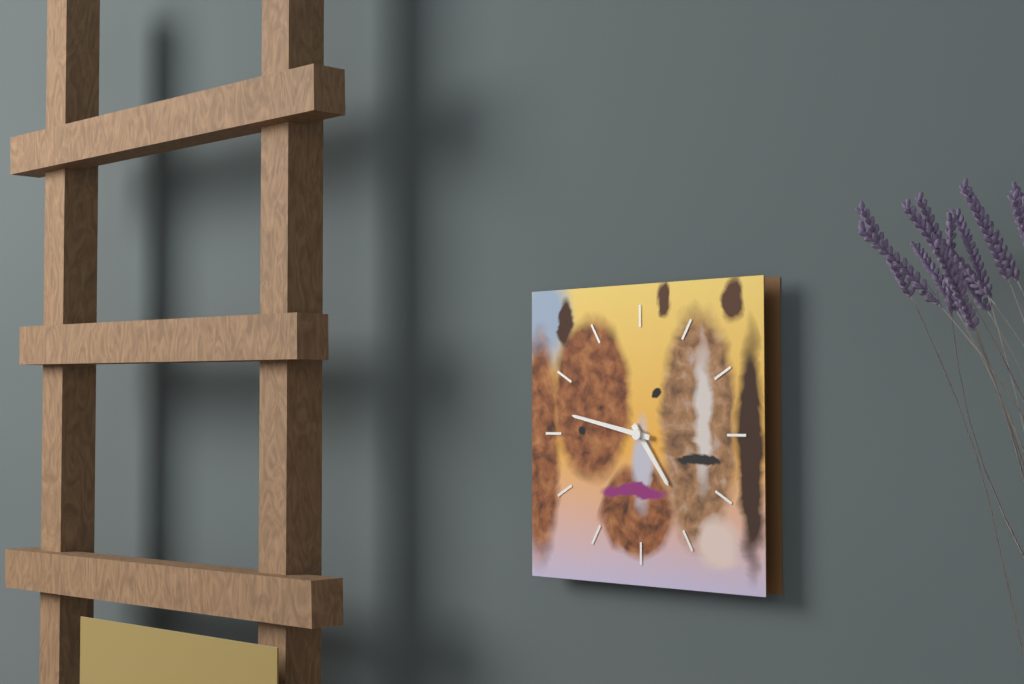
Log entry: 4:47
